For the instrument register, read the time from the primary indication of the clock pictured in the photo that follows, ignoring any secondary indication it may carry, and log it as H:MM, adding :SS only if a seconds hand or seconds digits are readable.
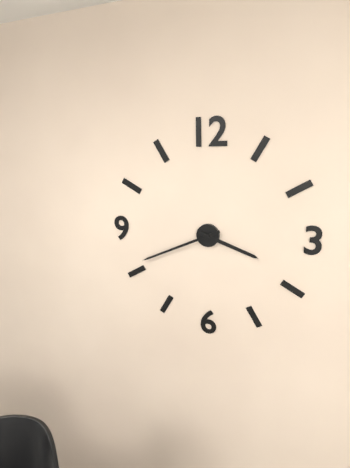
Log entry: 3:41
